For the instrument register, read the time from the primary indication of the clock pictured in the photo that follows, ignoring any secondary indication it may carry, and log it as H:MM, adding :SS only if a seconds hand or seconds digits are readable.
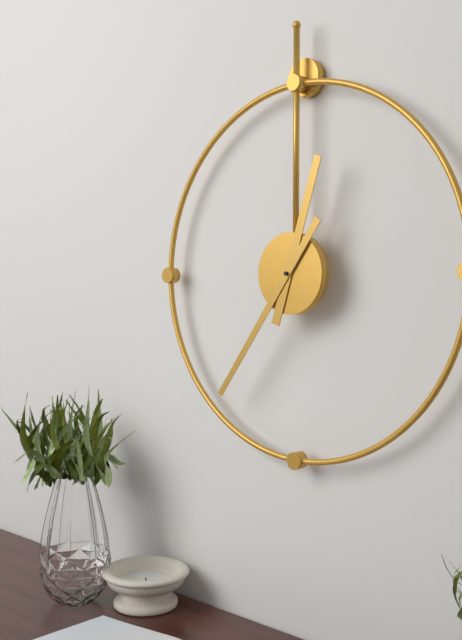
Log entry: 12:36
